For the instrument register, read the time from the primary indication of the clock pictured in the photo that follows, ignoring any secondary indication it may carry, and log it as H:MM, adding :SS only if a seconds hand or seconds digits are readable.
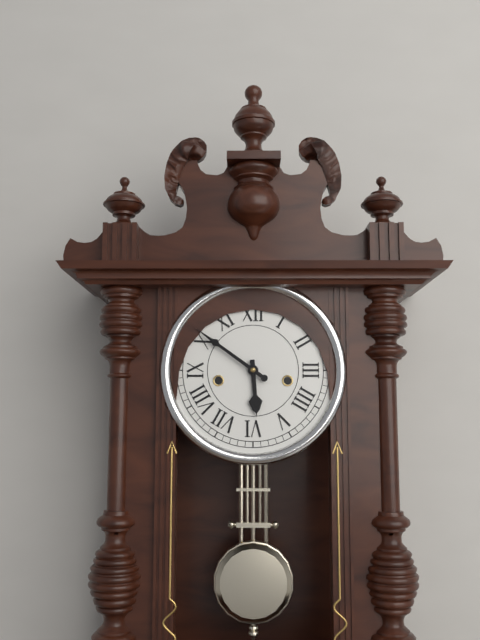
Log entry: 5:51
